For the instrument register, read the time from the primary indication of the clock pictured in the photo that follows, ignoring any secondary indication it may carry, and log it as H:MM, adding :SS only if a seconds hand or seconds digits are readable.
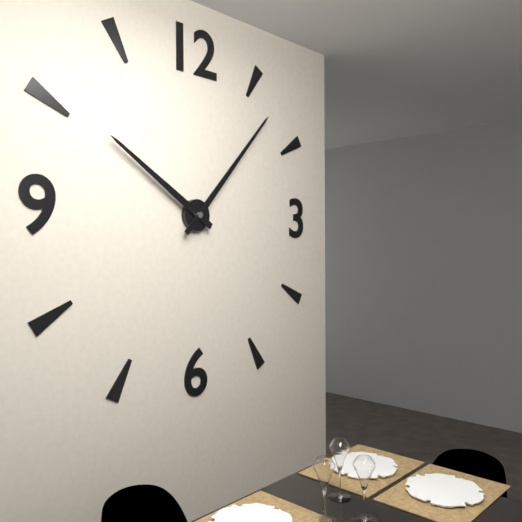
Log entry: 10:07
